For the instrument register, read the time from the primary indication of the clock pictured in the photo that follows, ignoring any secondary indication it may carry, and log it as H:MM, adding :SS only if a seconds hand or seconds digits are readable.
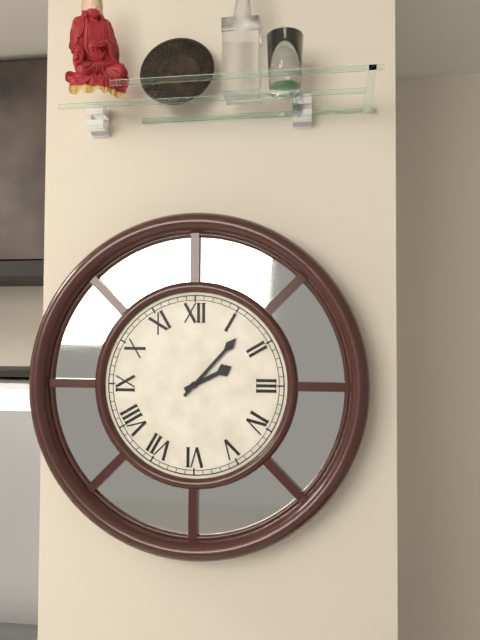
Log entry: 2:07
